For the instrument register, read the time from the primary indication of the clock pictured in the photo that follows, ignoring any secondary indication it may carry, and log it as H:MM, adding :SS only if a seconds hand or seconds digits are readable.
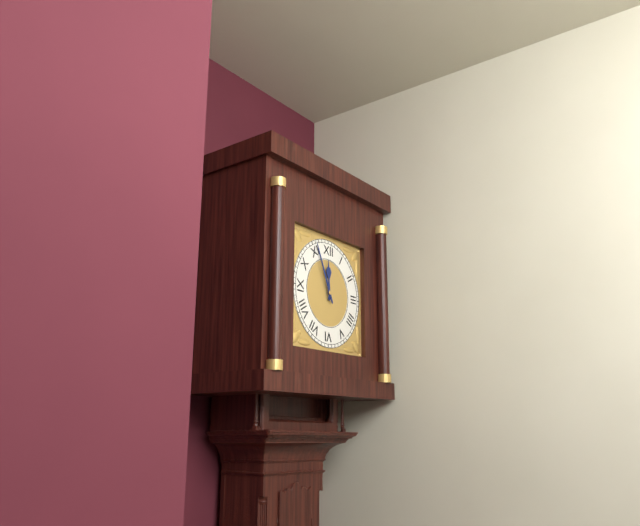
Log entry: 11:56
